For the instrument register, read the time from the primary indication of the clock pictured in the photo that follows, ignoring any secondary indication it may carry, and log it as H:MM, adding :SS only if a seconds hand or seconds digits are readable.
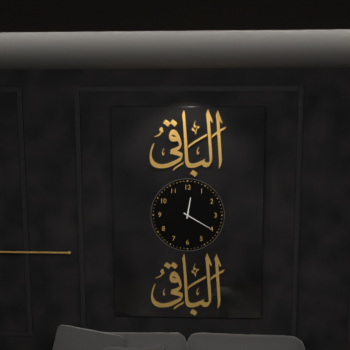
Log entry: 12:20
